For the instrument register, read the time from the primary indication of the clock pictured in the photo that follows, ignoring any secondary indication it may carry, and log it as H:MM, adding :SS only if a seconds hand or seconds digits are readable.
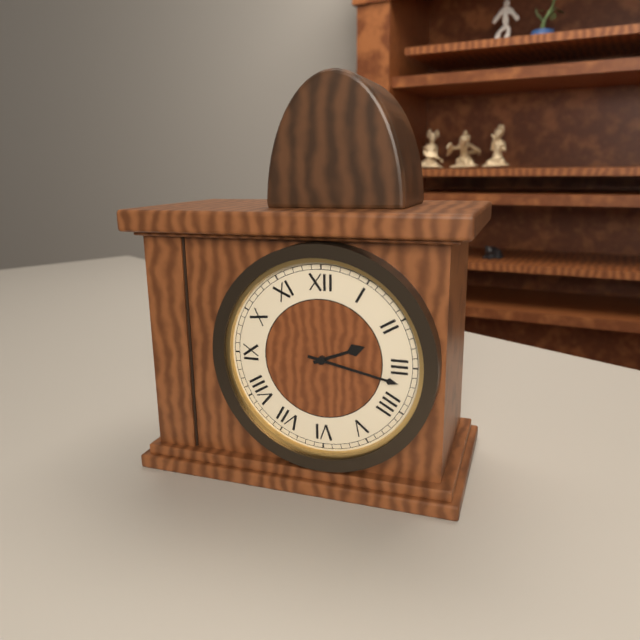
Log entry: 2:17
